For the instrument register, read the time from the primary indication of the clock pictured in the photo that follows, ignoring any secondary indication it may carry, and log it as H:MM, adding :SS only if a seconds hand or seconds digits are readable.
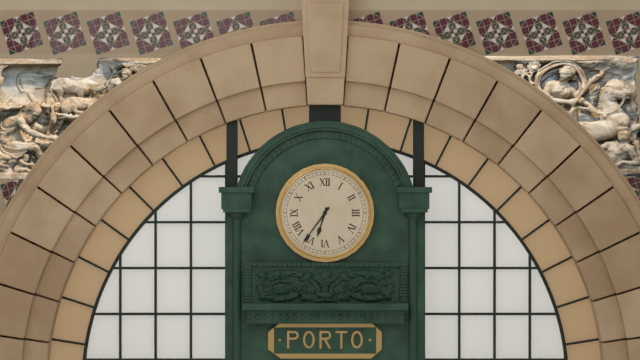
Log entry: 6:36
